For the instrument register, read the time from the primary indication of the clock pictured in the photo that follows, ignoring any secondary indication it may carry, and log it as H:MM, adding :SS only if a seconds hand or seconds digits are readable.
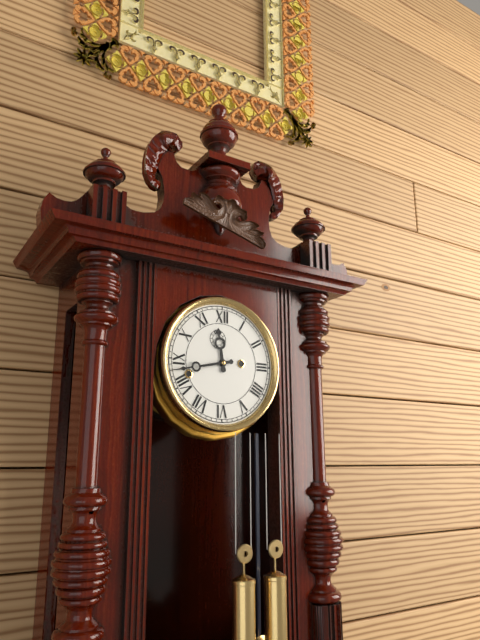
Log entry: 11:43
